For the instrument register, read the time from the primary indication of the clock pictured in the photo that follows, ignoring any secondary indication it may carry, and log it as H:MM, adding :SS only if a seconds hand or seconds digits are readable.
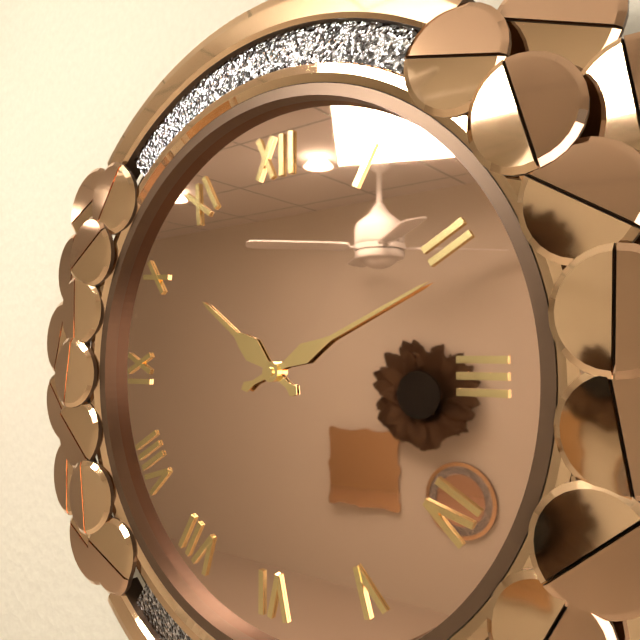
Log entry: 10:11
